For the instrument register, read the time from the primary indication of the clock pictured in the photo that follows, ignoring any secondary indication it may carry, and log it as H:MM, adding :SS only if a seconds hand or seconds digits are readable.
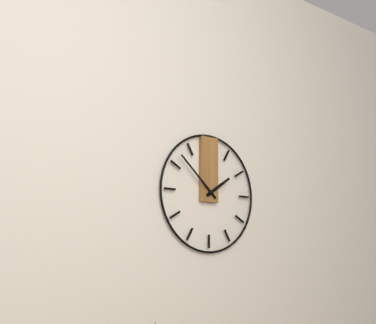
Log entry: 1:52
